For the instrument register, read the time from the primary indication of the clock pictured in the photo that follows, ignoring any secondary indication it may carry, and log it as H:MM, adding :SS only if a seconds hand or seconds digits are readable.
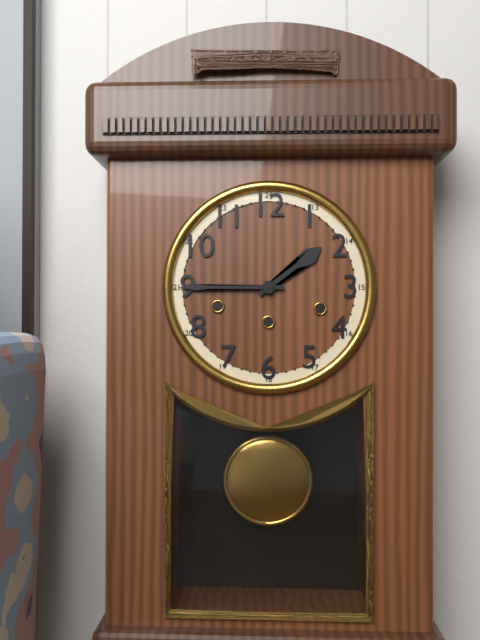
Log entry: 1:45
